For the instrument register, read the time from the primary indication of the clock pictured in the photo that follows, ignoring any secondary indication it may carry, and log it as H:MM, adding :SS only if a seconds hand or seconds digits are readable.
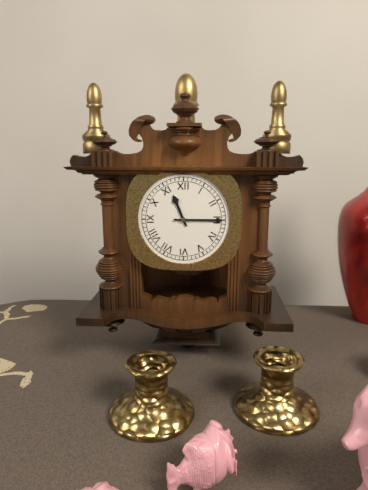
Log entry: 11:15
